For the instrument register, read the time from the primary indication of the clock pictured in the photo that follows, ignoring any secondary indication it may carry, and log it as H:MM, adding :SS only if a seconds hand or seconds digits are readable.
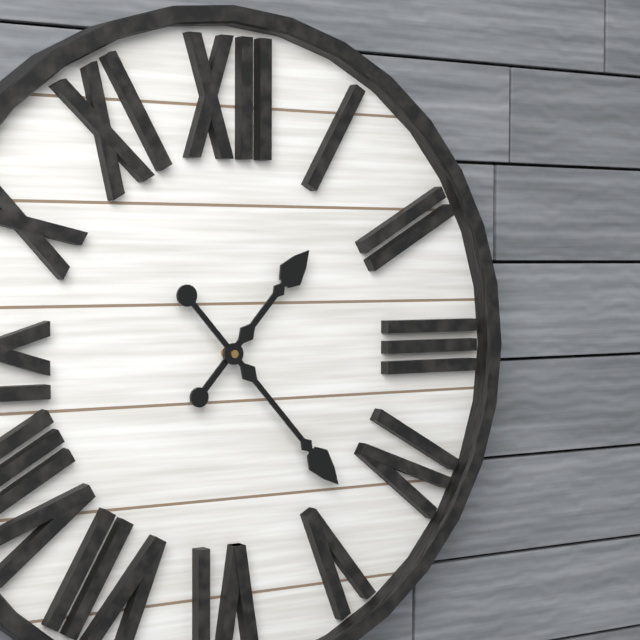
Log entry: 1:23
